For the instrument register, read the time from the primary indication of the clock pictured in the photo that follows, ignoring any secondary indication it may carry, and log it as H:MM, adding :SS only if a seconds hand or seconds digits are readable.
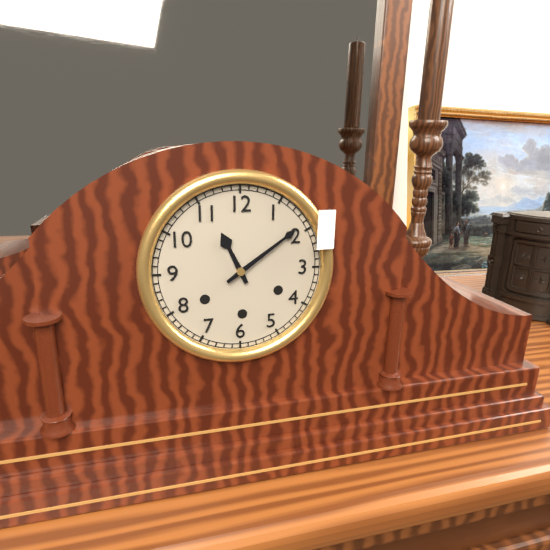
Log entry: 11:09
